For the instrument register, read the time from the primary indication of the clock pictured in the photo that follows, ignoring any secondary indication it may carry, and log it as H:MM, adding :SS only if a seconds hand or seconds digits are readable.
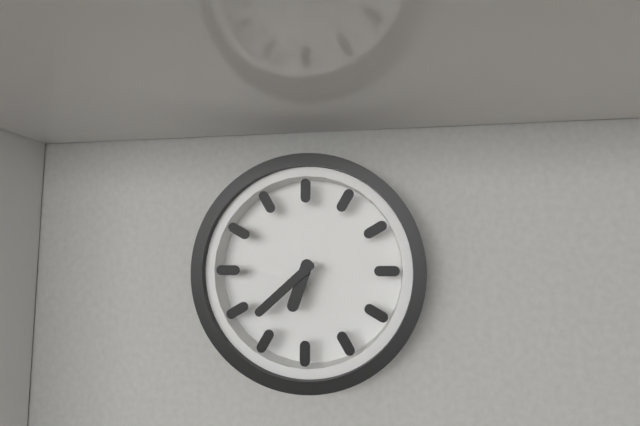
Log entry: 6:38
